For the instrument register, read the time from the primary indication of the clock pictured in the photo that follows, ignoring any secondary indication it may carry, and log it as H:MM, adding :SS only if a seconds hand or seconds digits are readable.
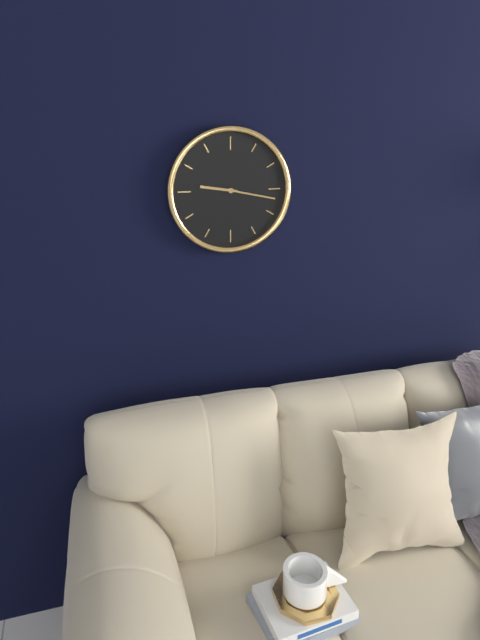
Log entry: 9:17
